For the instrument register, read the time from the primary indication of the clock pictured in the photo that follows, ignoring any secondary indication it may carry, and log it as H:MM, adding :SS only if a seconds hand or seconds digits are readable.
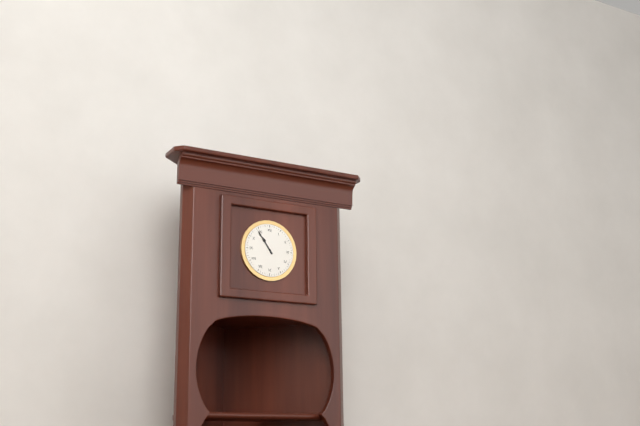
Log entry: 10:54
